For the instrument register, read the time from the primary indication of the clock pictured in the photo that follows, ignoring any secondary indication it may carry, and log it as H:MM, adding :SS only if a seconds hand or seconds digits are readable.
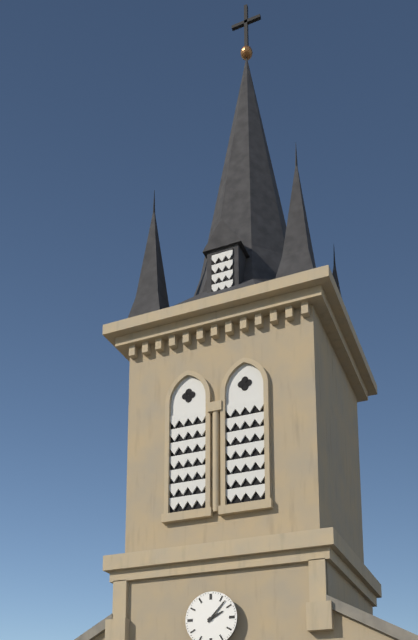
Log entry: 2:07
